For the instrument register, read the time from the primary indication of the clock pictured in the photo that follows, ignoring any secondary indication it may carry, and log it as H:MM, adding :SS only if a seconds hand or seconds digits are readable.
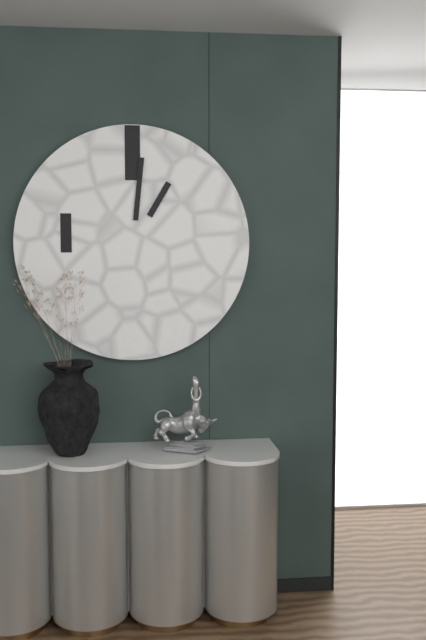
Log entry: 1:01
